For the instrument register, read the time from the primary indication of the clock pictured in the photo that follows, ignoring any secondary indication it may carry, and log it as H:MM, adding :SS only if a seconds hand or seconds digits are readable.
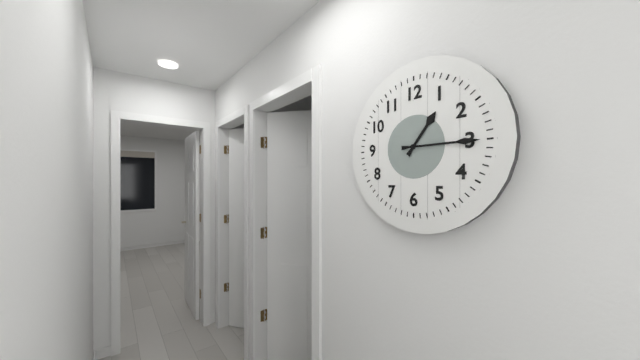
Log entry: 1:15
